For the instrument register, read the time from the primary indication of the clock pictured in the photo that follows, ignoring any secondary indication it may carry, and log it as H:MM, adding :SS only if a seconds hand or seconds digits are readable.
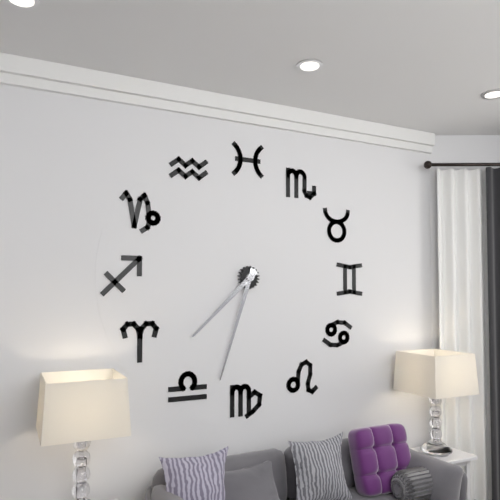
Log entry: 7:33
